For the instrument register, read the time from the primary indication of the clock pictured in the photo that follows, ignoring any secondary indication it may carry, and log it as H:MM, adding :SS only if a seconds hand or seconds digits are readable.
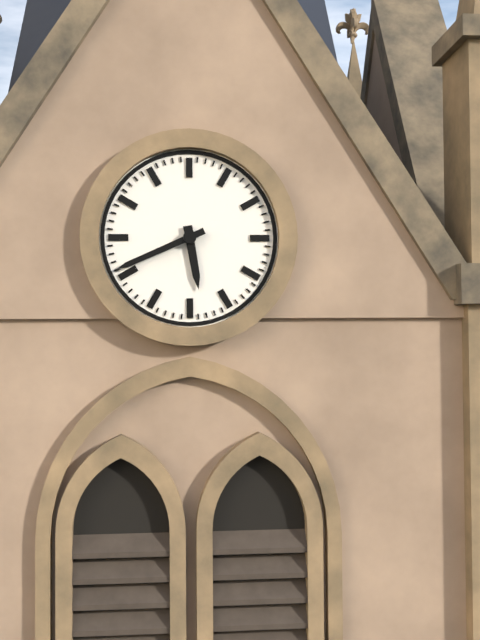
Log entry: 5:41
